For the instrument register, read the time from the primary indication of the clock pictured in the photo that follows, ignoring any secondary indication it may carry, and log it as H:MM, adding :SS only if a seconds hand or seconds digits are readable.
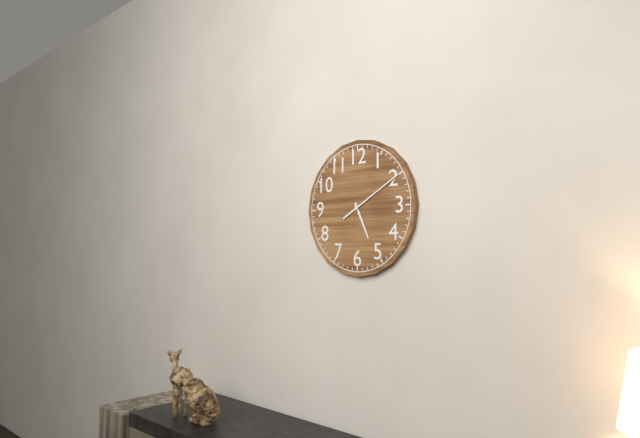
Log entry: 5:10
